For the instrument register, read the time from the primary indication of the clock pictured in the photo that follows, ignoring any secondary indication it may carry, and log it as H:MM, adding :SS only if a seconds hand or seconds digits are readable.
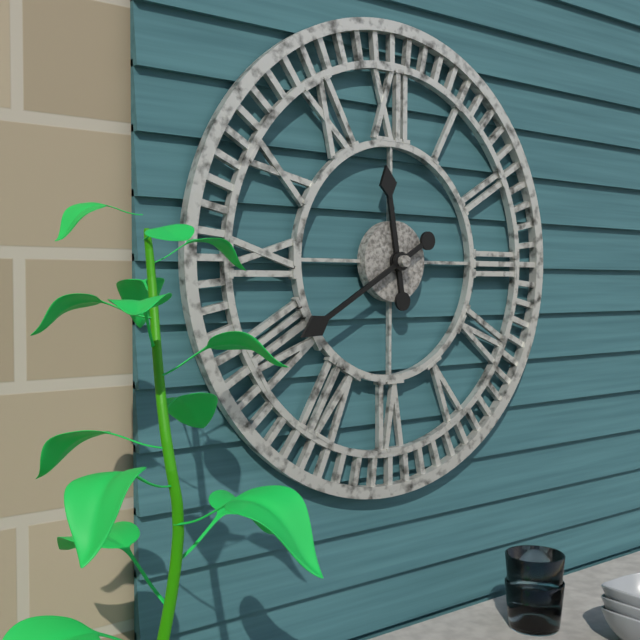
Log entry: 11:40
